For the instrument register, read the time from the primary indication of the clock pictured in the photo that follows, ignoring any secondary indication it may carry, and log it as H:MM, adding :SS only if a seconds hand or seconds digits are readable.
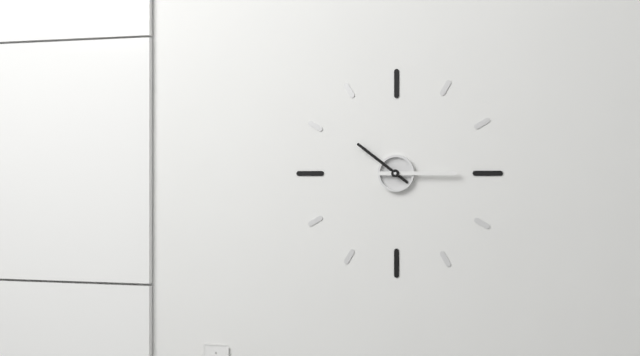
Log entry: 10:15
